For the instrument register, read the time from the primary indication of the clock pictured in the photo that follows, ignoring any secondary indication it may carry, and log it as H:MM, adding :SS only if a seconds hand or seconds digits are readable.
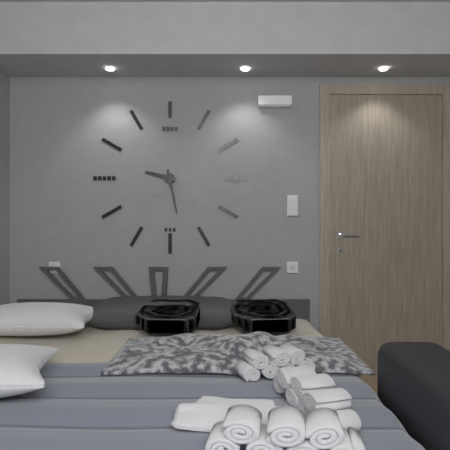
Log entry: 9:28
